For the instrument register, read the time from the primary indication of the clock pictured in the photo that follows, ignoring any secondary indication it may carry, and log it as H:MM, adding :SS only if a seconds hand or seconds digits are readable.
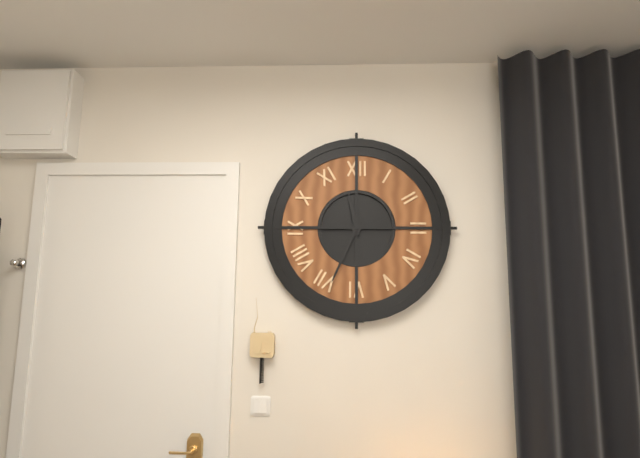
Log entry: 11:34
